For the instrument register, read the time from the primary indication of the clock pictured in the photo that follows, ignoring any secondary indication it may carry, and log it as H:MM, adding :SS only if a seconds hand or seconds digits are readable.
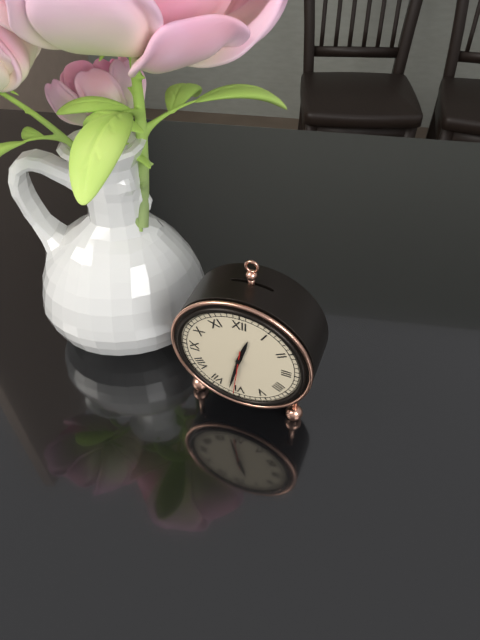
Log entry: 12:32
